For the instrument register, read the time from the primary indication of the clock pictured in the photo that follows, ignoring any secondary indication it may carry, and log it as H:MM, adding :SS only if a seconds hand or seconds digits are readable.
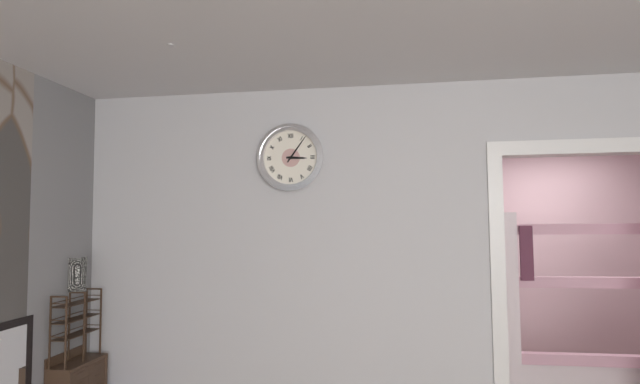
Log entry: 3:06
